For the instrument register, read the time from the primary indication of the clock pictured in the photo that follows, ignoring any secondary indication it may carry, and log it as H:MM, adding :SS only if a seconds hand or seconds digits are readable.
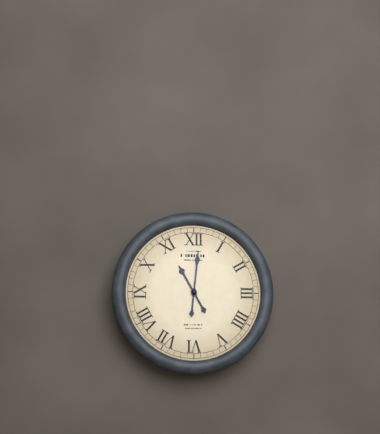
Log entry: 11:01
